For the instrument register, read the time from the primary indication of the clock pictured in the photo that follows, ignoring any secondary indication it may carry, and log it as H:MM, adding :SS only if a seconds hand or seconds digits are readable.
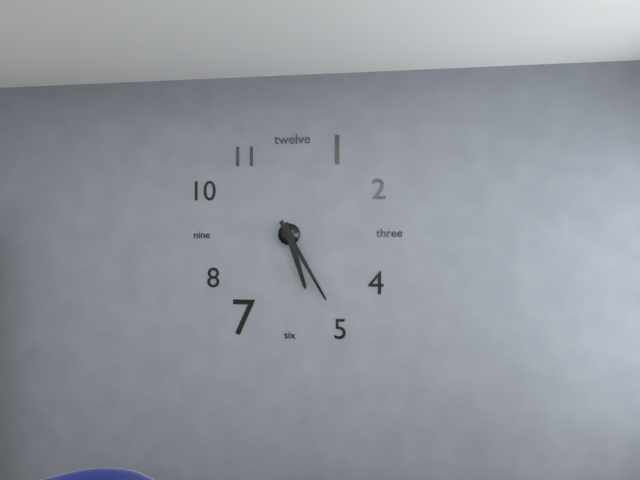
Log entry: 5:25
